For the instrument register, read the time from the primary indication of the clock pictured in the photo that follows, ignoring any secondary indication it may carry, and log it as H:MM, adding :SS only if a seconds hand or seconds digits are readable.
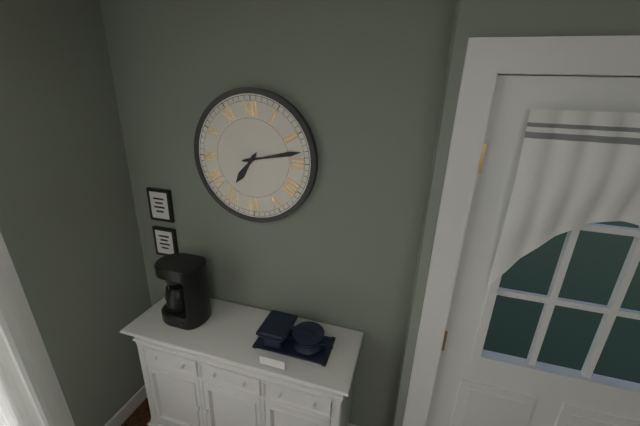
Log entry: 7:13
